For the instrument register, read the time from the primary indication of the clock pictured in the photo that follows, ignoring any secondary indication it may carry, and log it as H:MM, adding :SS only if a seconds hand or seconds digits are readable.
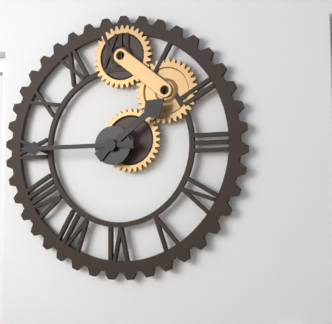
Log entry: 1:45
